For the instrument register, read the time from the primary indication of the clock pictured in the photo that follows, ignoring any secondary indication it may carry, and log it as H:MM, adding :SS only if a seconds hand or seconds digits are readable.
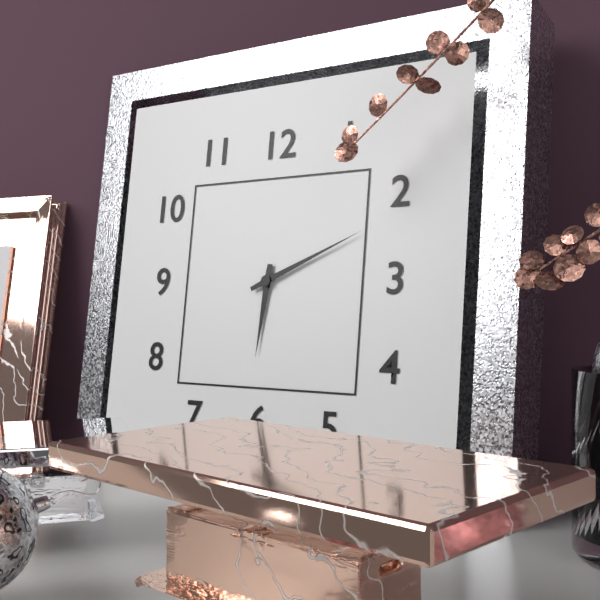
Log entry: 6:11
